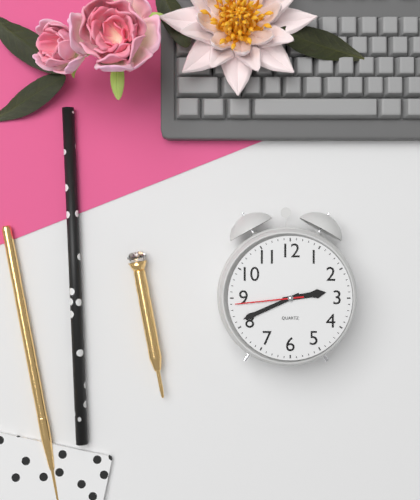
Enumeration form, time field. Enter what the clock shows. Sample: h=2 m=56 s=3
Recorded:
h=2 m=41 s=44
